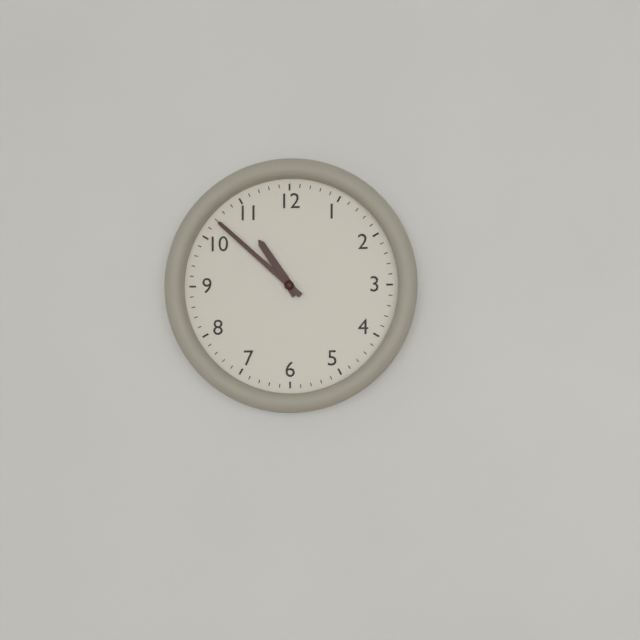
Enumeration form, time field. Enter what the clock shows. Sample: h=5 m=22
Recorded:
h=10 m=52
